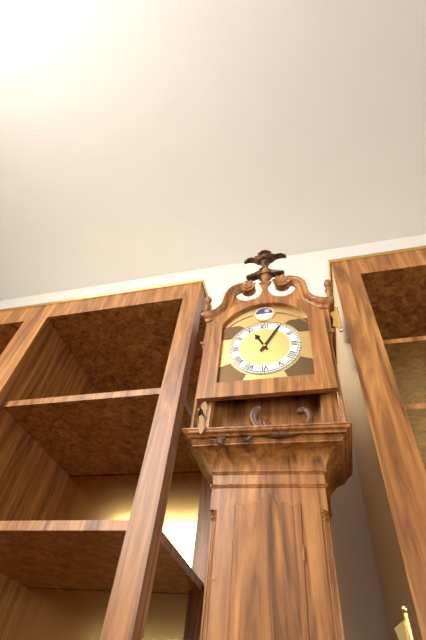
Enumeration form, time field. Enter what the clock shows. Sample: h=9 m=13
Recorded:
h=11 m=5
